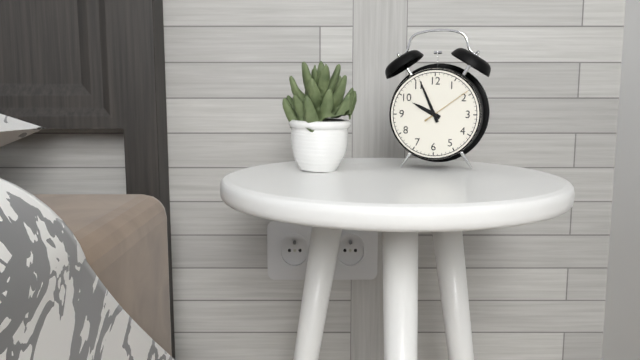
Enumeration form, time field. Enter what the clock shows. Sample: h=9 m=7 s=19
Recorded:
h=9 m=56 s=9
